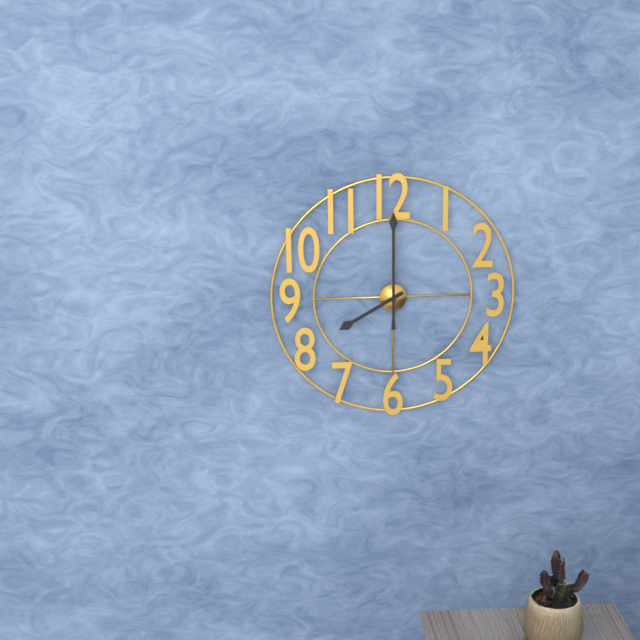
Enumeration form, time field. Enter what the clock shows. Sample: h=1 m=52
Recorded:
h=8 m=0
